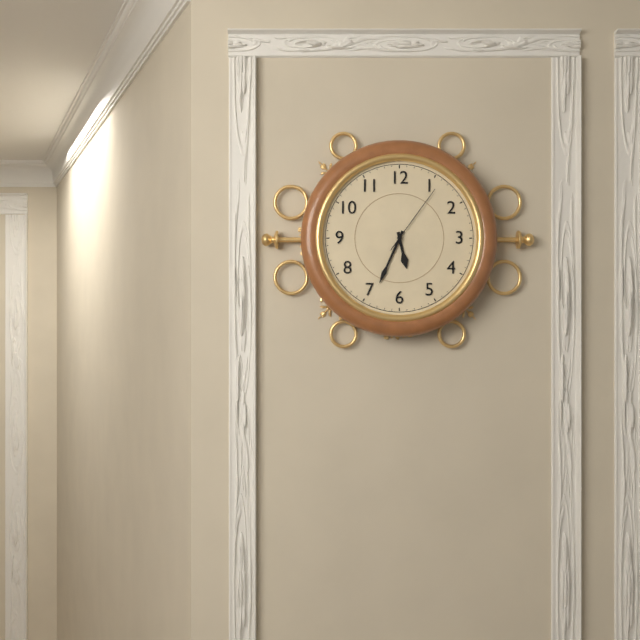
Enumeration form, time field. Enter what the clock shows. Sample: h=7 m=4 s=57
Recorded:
h=5 m=34 s=6
